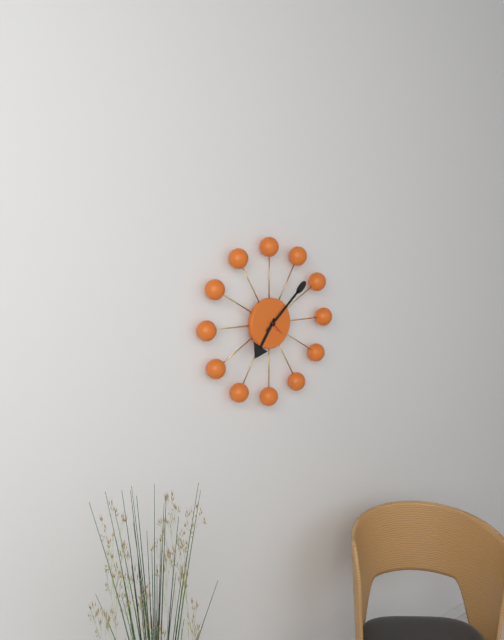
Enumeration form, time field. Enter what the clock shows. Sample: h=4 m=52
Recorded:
h=7 m=8
